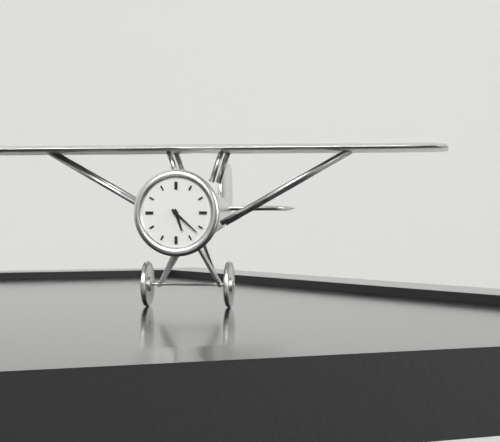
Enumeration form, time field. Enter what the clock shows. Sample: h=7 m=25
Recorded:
h=5 m=22
